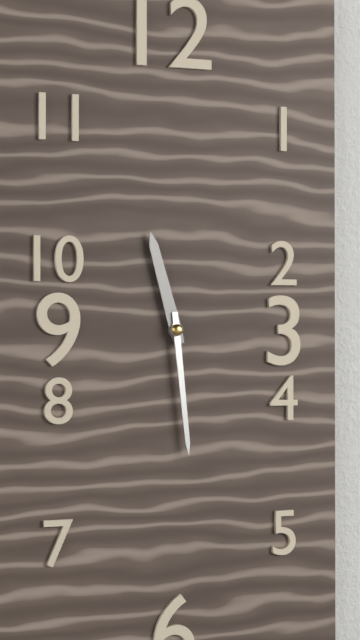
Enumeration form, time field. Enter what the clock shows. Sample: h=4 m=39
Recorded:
h=11 m=29
